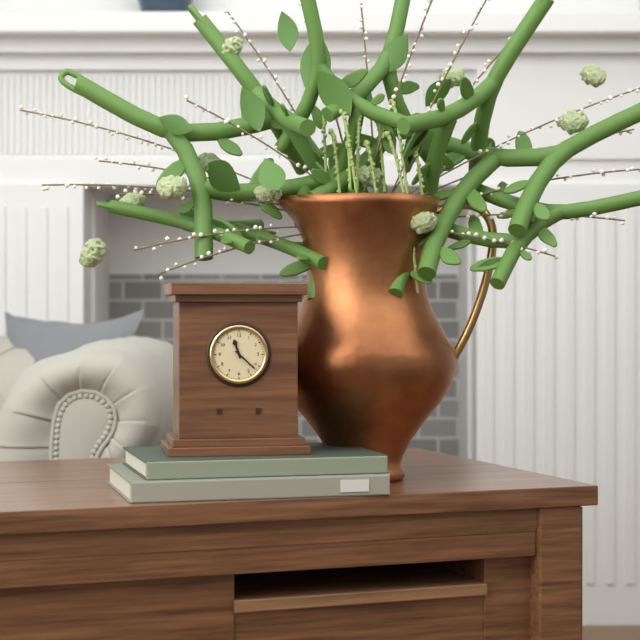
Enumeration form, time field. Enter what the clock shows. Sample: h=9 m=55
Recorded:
h=11 m=22
